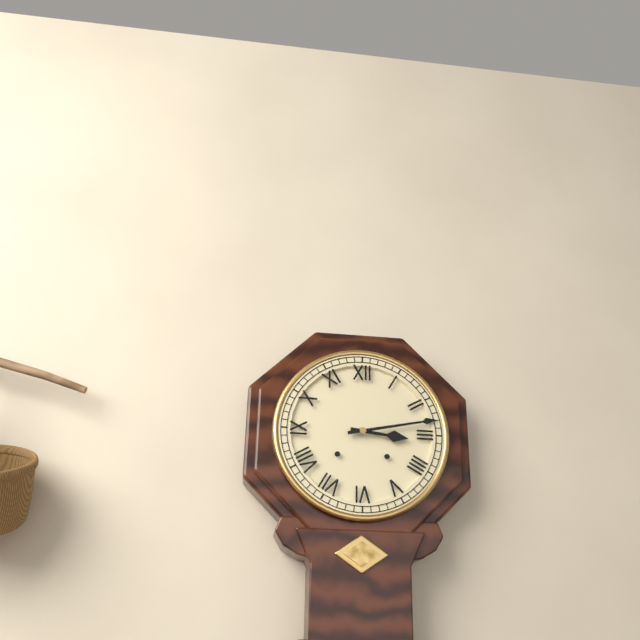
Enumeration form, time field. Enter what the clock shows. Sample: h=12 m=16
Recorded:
h=3 m=13
